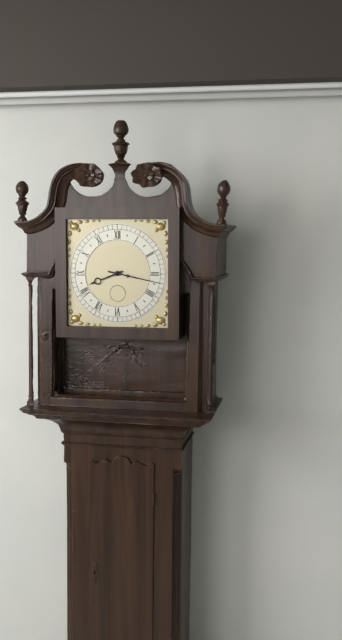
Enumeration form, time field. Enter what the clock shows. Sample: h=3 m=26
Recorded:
h=8 m=17
